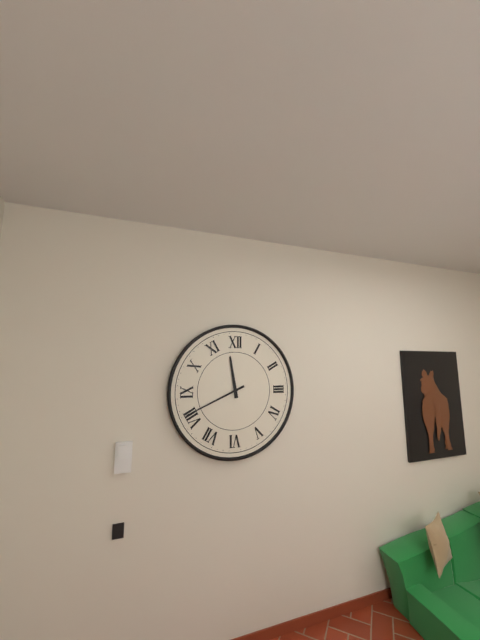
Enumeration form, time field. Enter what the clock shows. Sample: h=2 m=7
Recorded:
h=11 m=41
